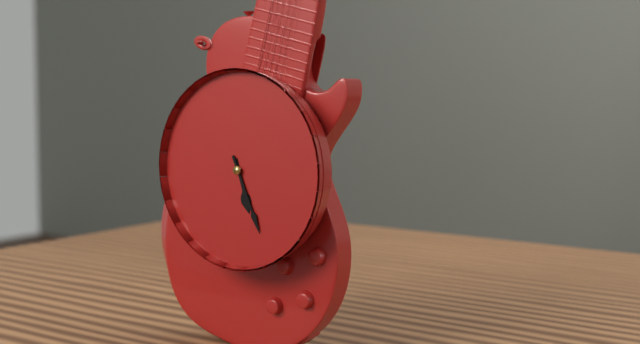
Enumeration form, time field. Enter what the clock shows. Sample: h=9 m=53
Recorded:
h=5 m=26
